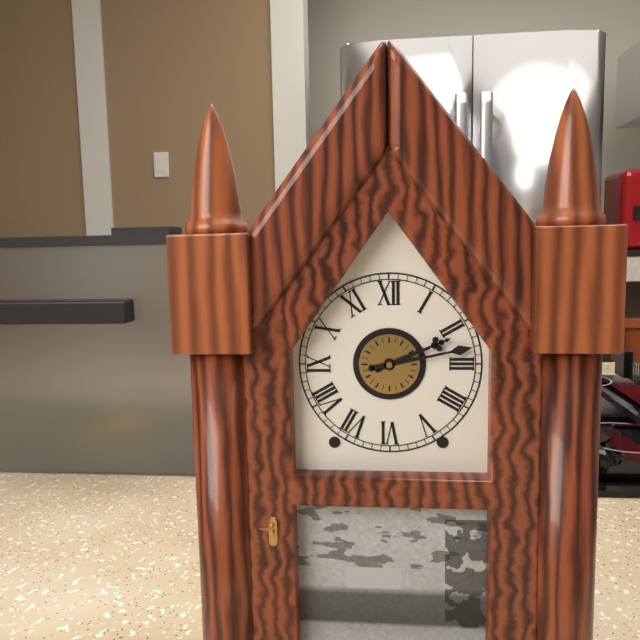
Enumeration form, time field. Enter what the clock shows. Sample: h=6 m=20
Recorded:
h=2 m=13
